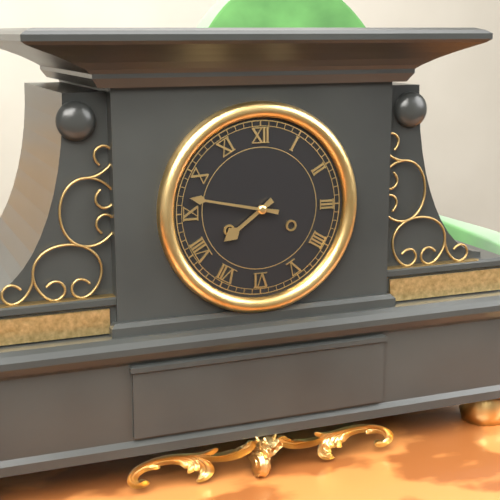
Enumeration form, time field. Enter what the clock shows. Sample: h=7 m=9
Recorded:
h=7 m=47
